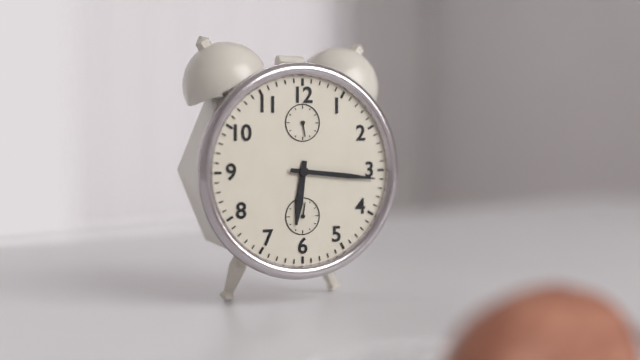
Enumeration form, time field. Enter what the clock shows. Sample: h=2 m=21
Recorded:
h=6 m=16
